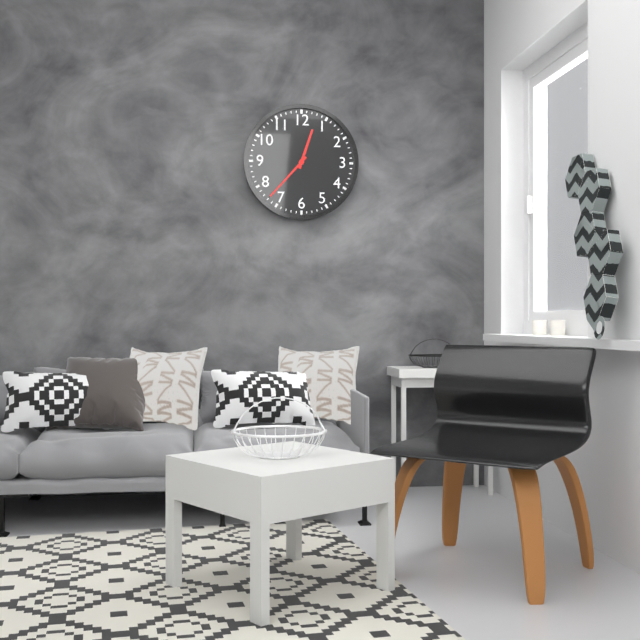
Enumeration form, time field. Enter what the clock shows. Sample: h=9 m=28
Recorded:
h=12 m=37
